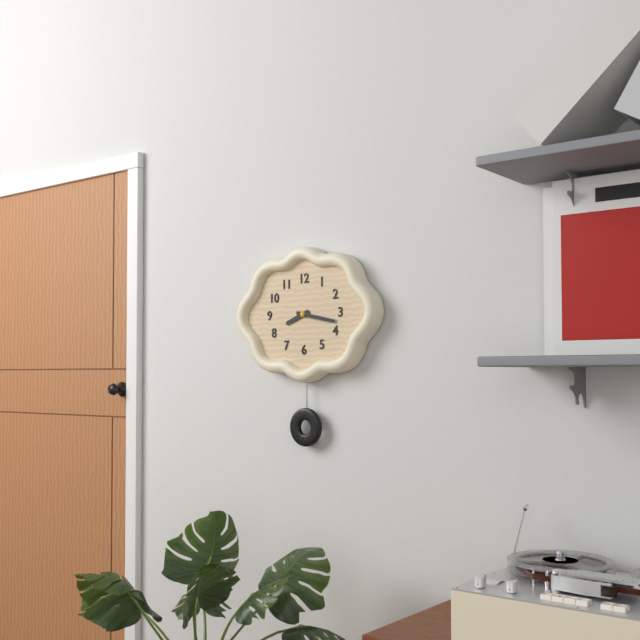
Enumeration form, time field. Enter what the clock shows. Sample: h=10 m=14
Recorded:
h=8 m=17
